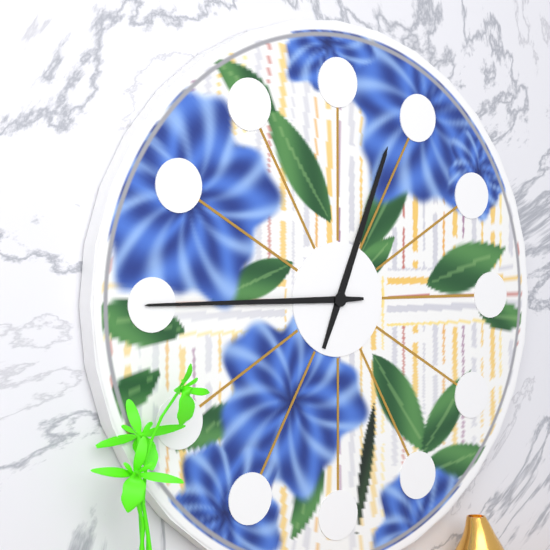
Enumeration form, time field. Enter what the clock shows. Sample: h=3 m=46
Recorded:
h=12 m=45
